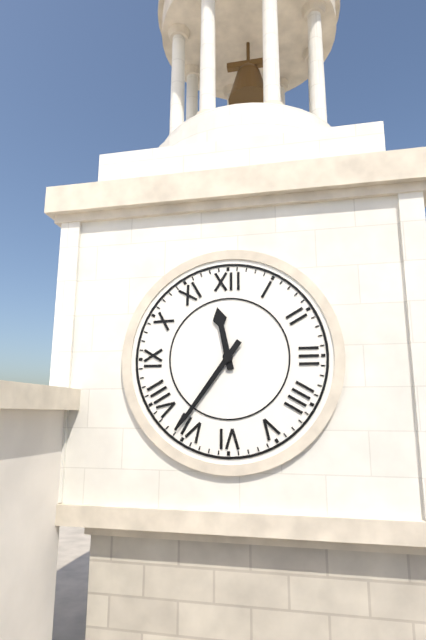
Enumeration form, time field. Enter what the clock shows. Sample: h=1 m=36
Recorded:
h=11 m=36
